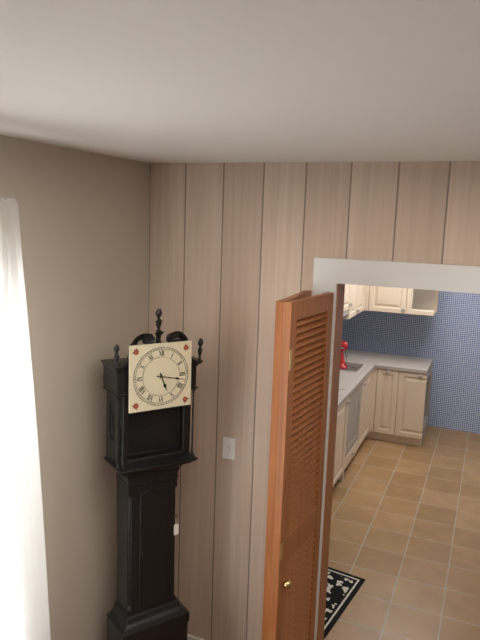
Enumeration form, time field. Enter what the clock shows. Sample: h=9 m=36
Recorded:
h=5 m=17
